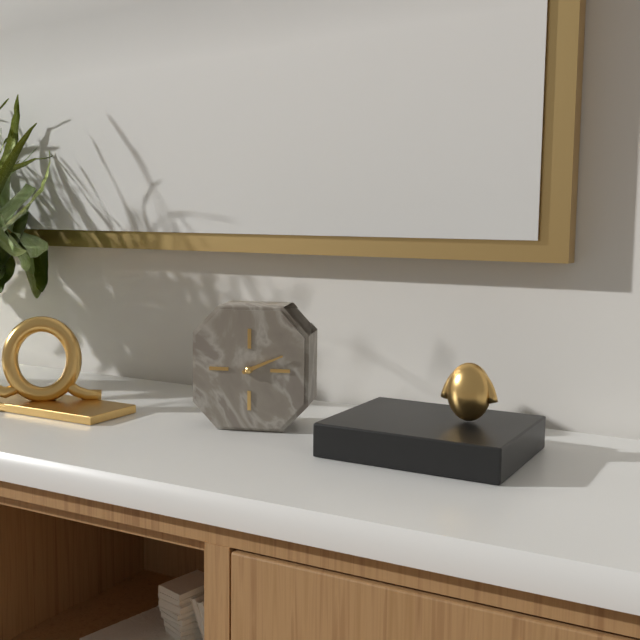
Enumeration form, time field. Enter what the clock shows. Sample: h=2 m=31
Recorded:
h=2 m=11
